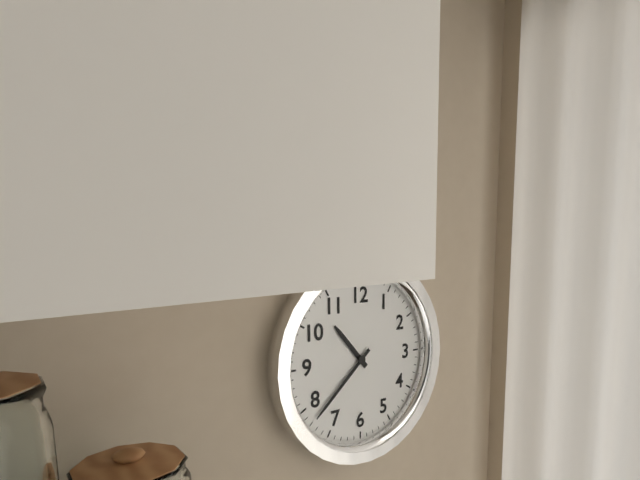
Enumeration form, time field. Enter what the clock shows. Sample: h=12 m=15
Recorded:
h=10 m=38
